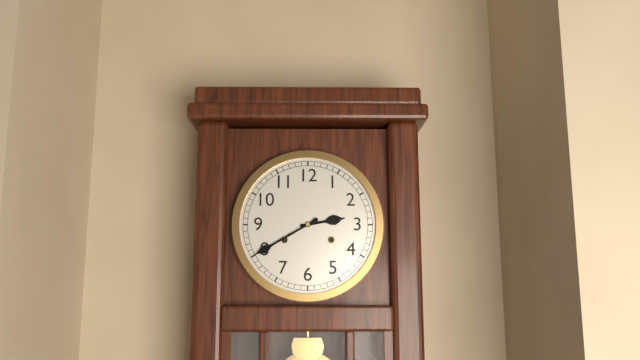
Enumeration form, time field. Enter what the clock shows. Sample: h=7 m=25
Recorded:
h=2 m=40
